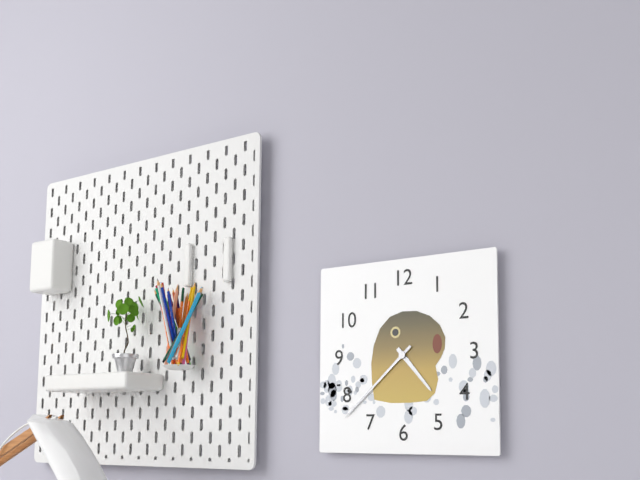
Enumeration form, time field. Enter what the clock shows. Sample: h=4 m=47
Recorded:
h=4 m=38
